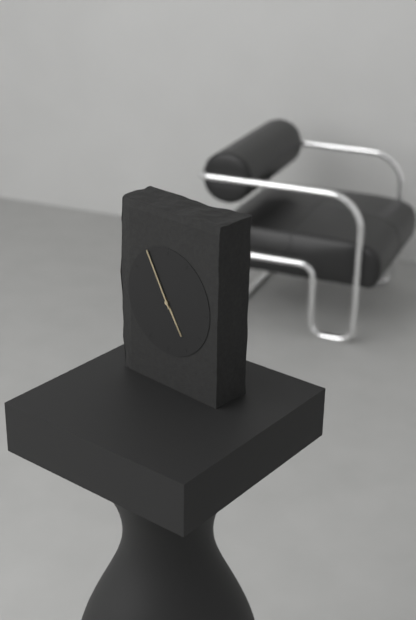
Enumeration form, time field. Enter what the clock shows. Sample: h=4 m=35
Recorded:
h=4 m=55
